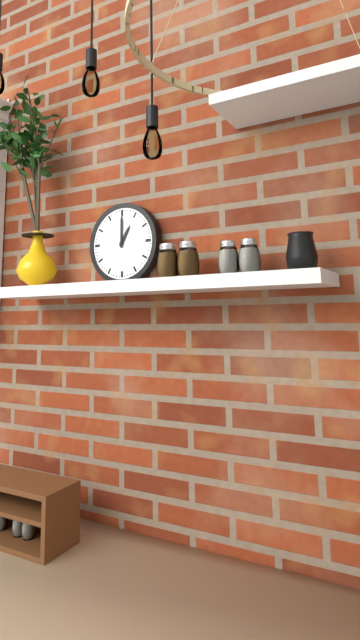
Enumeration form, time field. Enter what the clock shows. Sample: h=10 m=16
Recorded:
h=1 m=0
